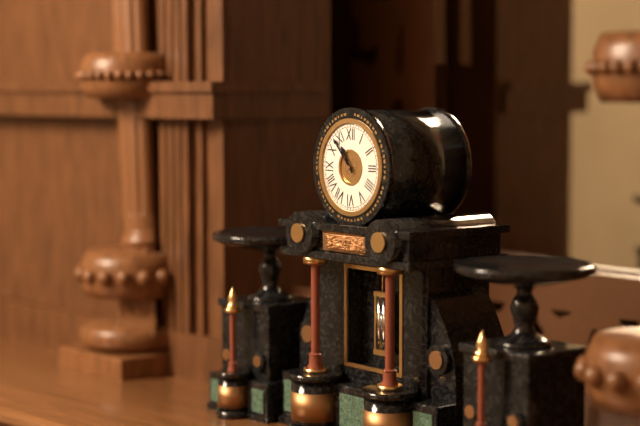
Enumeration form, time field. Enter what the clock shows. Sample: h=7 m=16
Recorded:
h=10 m=53
